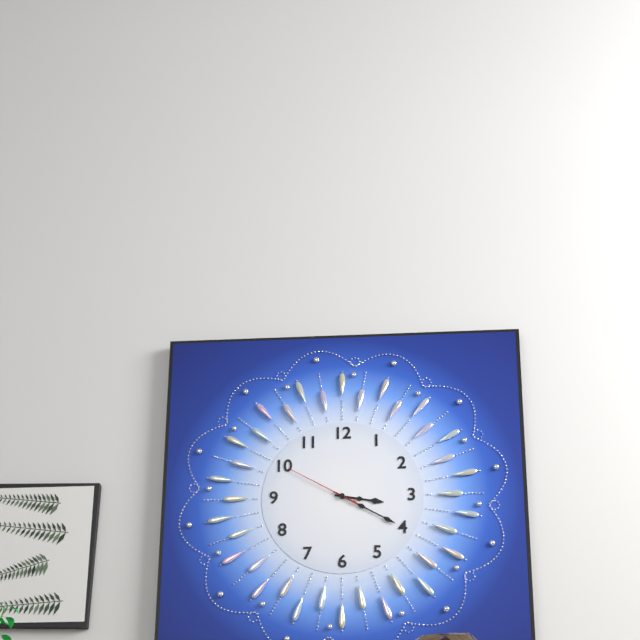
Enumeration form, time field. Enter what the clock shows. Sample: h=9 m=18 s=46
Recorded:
h=3 m=20 s=50
